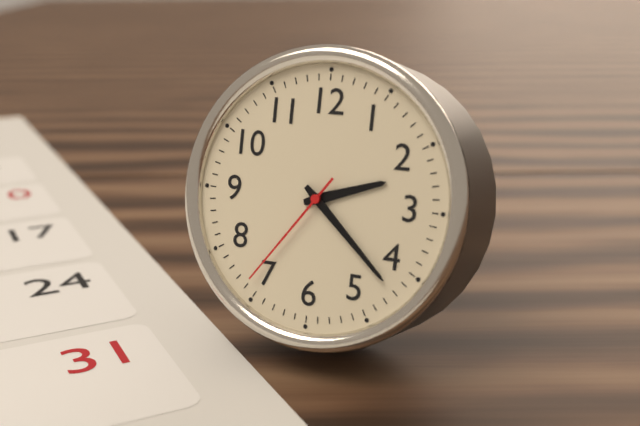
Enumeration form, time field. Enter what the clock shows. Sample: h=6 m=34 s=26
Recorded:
h=2 m=22 s=36
